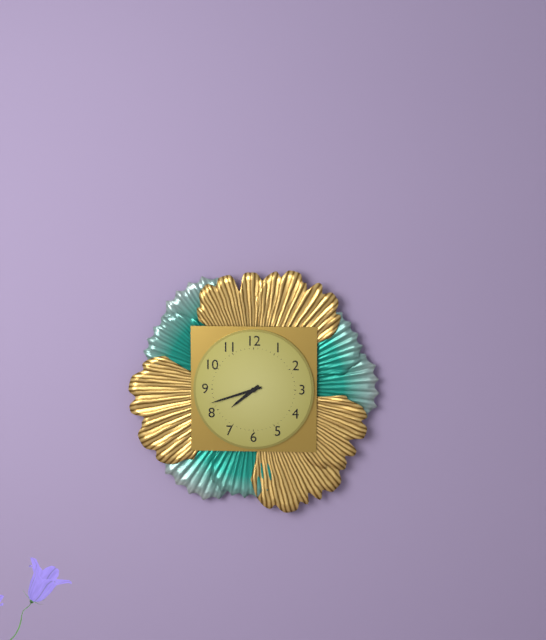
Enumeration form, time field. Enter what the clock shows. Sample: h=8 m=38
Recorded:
h=7 m=42
